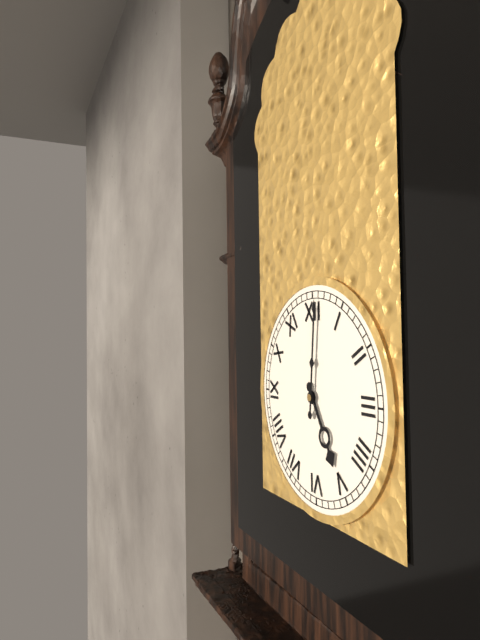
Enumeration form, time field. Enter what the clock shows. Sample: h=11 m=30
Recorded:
h=5 m=1
